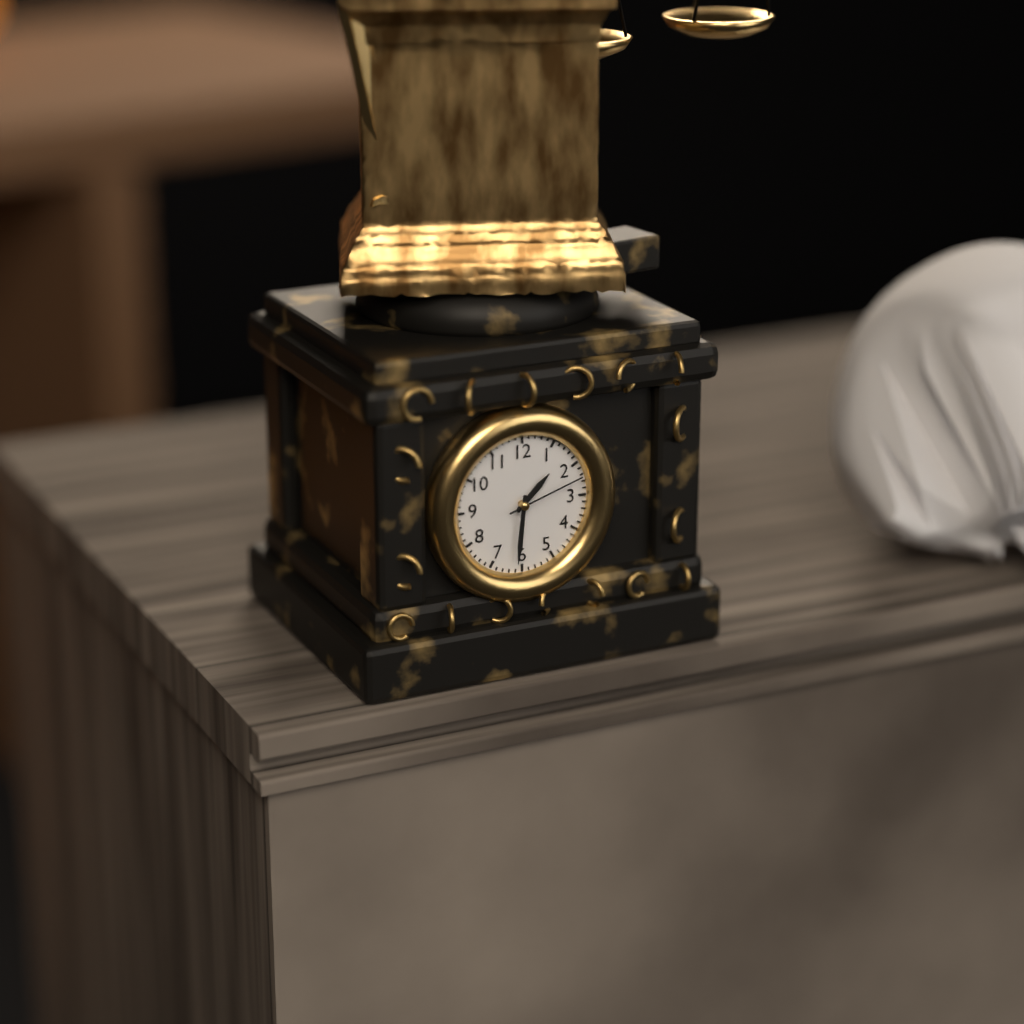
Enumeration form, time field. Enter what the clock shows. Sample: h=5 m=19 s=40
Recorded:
h=1 m=31 s=12
